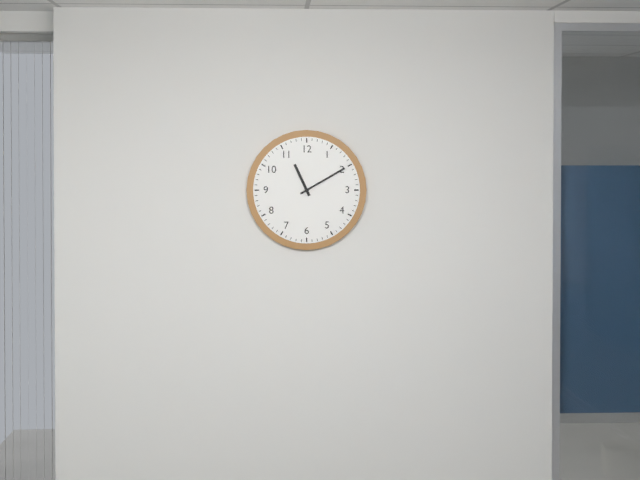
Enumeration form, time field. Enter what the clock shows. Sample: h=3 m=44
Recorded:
h=11 m=10
